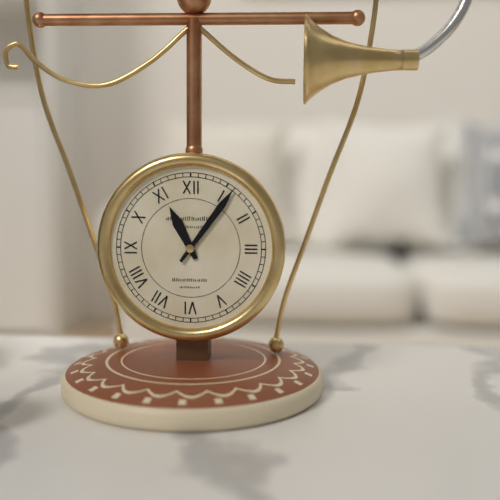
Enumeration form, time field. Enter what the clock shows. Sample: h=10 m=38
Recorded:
h=11 m=6
